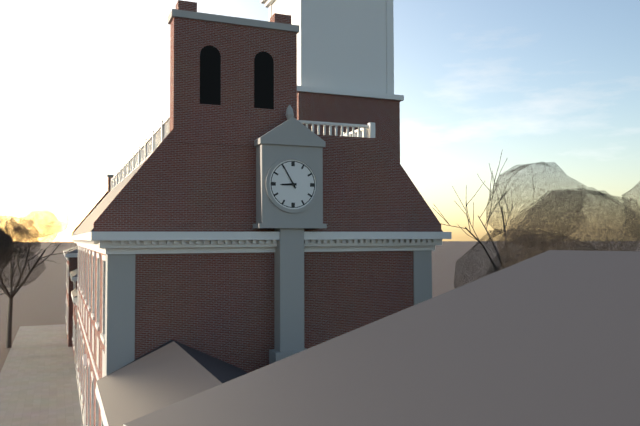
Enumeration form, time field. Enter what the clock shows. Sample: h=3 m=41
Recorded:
h=8 m=55
